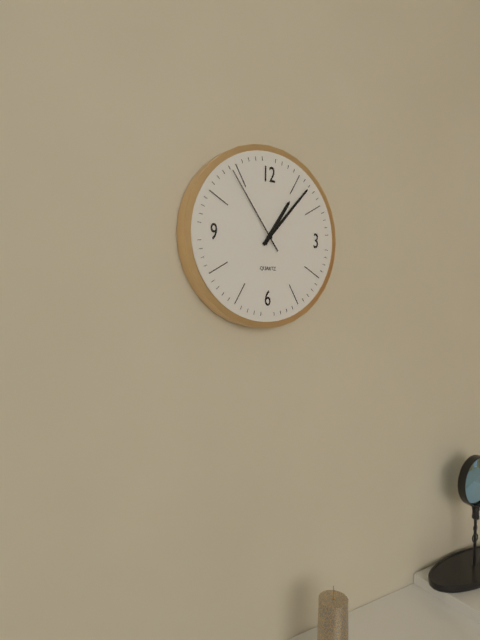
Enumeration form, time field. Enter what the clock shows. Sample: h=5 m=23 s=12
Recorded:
h=1 m=7 s=54
